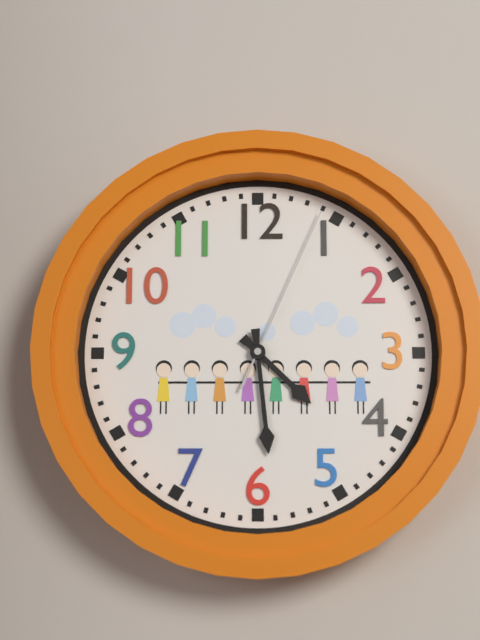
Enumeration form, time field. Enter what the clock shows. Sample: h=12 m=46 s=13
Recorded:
h=4 m=29 s=4
